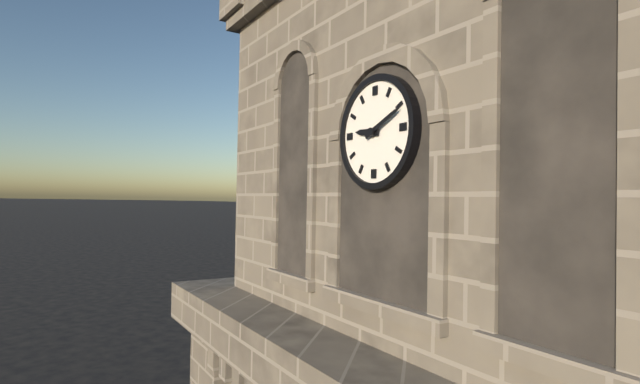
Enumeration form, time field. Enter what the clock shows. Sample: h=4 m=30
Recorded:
h=9 m=11
